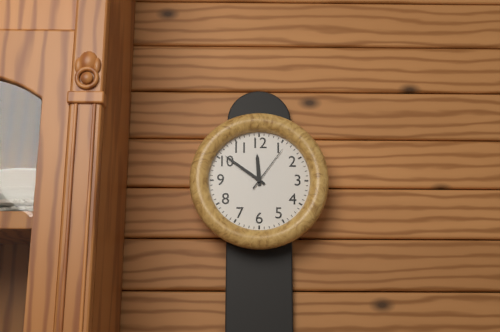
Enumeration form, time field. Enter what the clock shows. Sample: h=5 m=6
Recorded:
h=11 m=51
